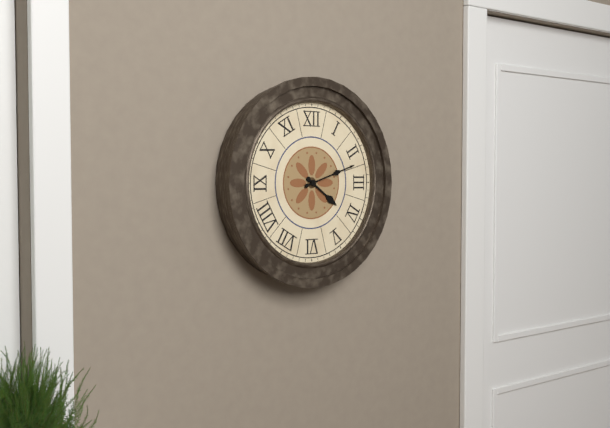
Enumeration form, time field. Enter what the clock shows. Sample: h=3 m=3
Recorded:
h=4 m=12
